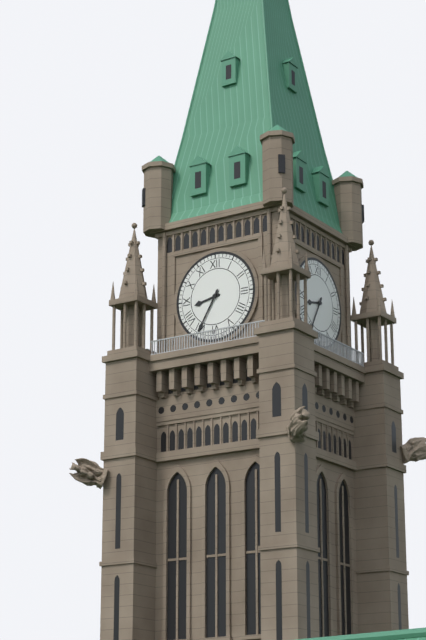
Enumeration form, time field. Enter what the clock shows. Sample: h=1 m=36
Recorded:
h=8 m=35
